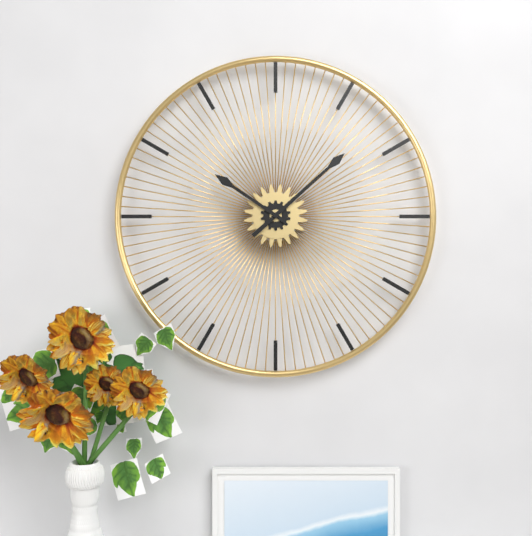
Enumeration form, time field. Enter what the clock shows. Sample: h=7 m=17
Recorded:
h=10 m=8
